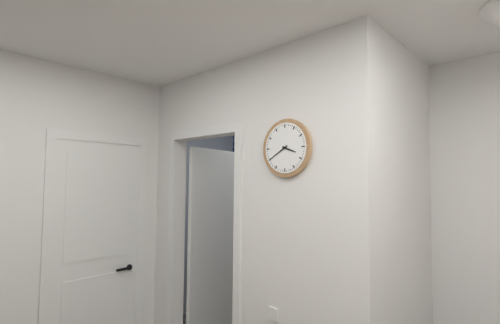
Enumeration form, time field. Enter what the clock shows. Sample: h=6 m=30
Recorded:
h=3 m=40
